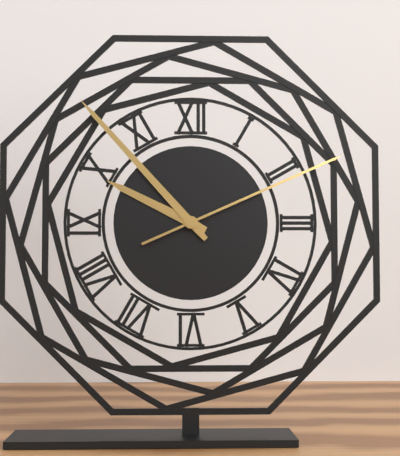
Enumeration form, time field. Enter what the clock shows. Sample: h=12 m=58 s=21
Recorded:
h=9 m=53 s=11
